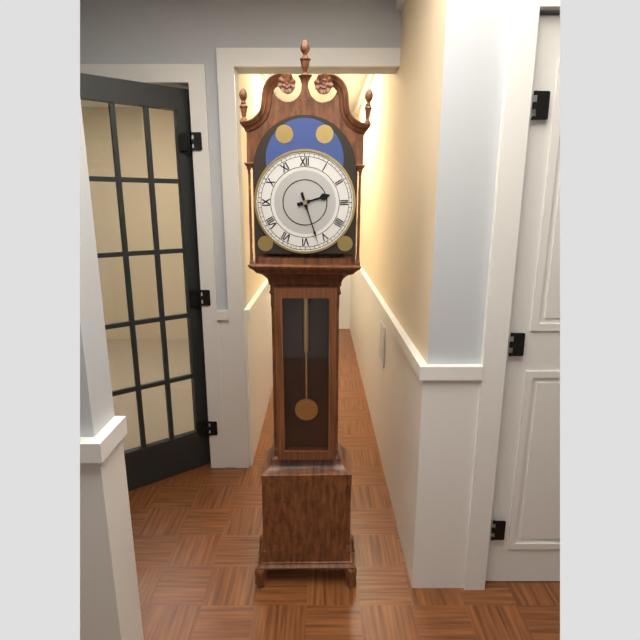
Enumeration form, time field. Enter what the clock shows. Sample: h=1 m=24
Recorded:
h=2 m=27
